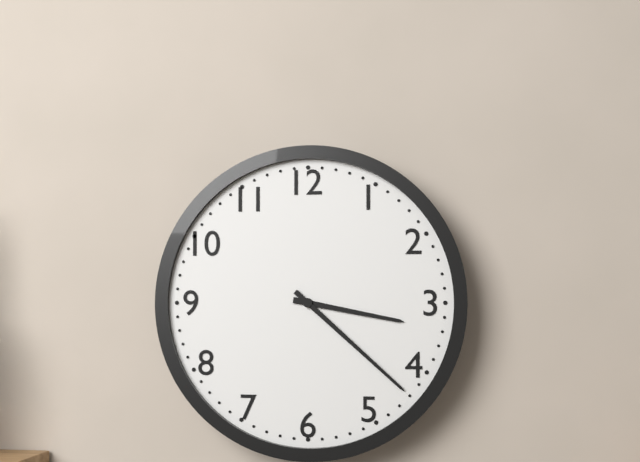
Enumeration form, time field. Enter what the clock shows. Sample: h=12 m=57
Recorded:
h=3 m=22
